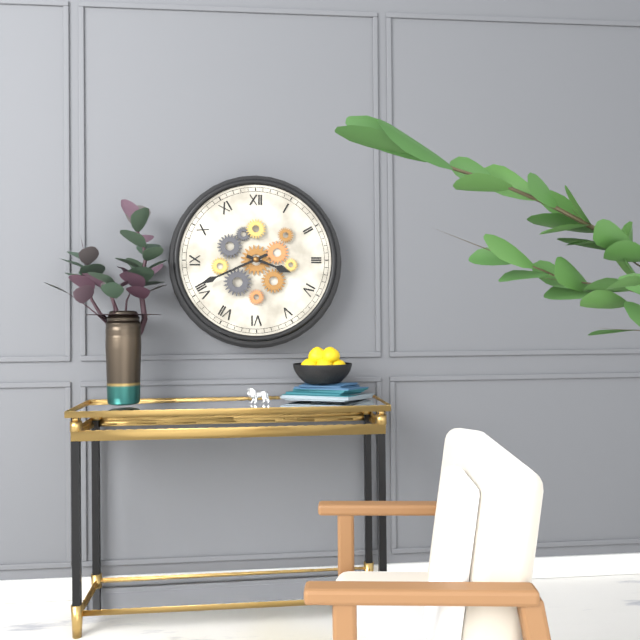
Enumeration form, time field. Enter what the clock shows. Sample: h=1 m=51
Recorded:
h=3 m=41
